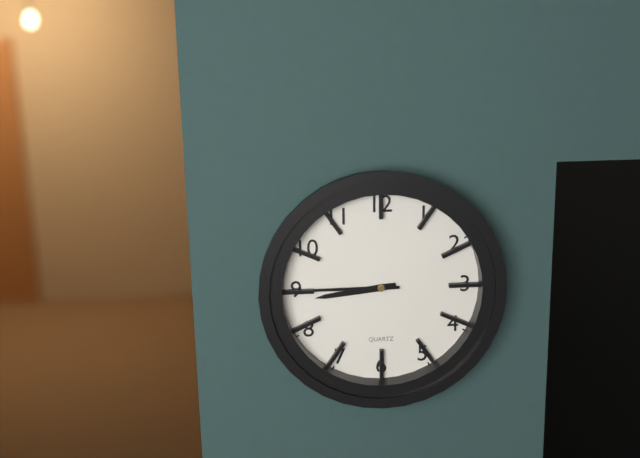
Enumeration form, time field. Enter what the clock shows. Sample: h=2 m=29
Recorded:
h=8 m=45
